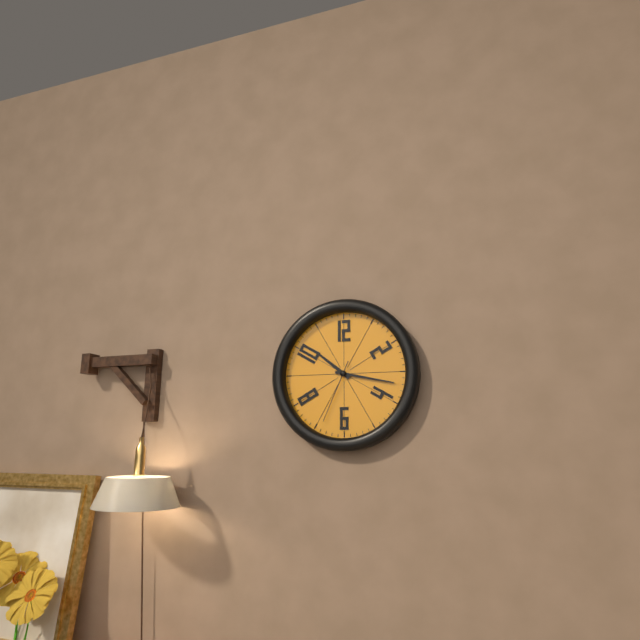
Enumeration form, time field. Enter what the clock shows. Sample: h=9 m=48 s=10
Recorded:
h=10 m=17 s=34
